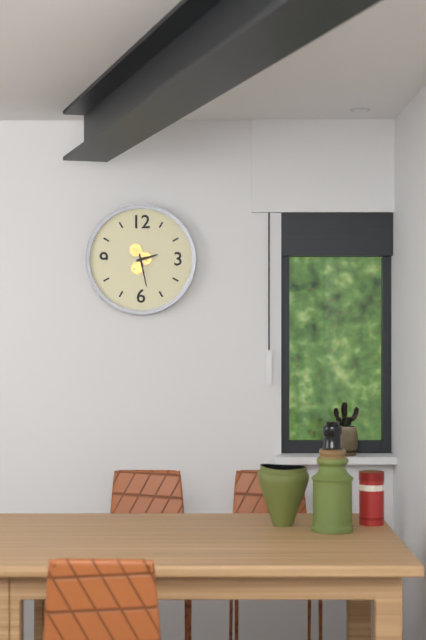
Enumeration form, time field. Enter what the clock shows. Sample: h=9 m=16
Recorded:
h=2 m=28
